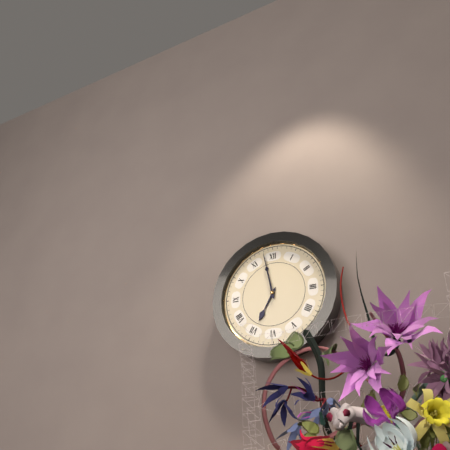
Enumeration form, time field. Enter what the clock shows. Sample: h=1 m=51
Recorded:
h=6 m=58
